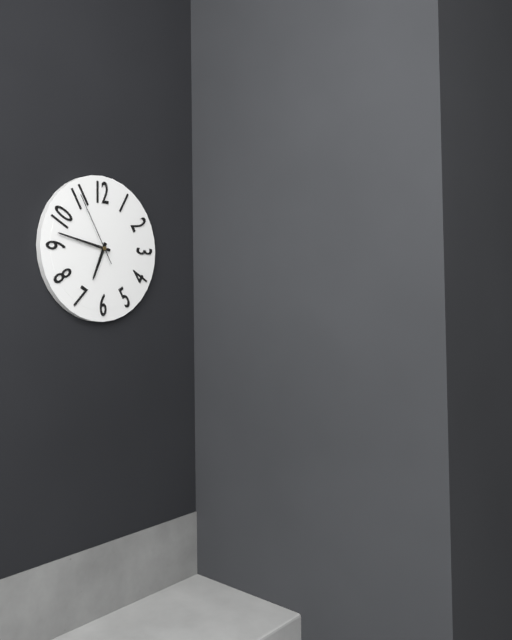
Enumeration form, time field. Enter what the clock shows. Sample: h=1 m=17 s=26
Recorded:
h=6 m=47 s=55
